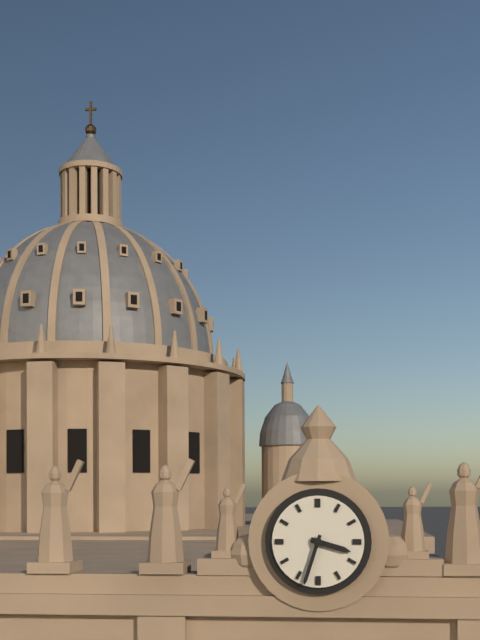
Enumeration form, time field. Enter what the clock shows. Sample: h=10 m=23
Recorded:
h=3 m=33
